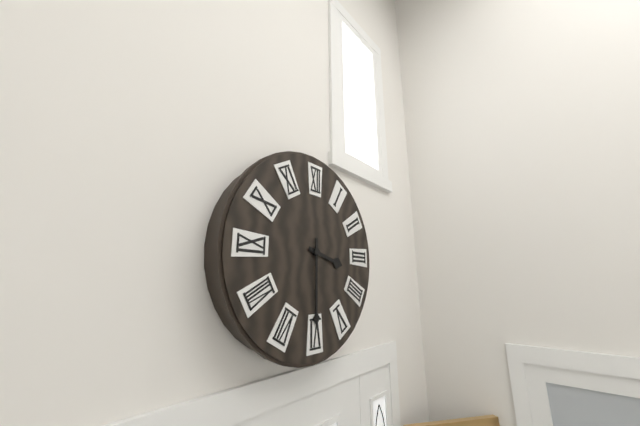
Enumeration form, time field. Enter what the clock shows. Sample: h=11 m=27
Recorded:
h=3 m=30
